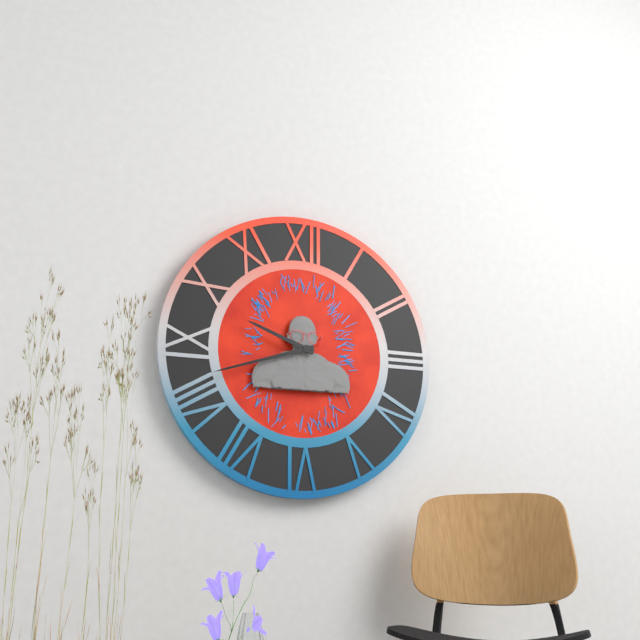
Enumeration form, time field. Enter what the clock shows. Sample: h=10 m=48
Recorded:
h=9 m=42
